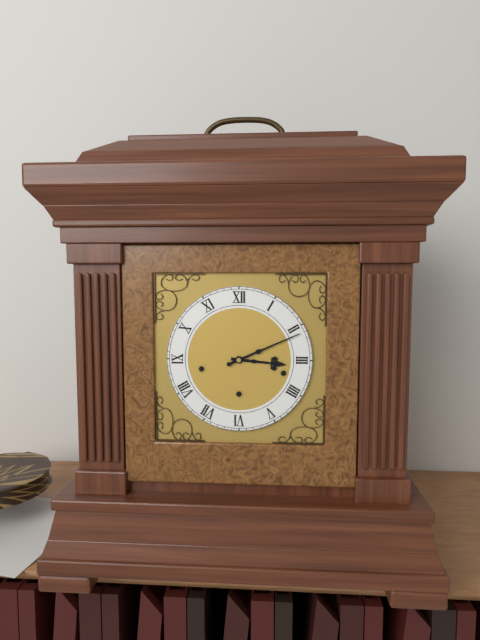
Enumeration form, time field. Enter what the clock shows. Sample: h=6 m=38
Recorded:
h=3 m=11
